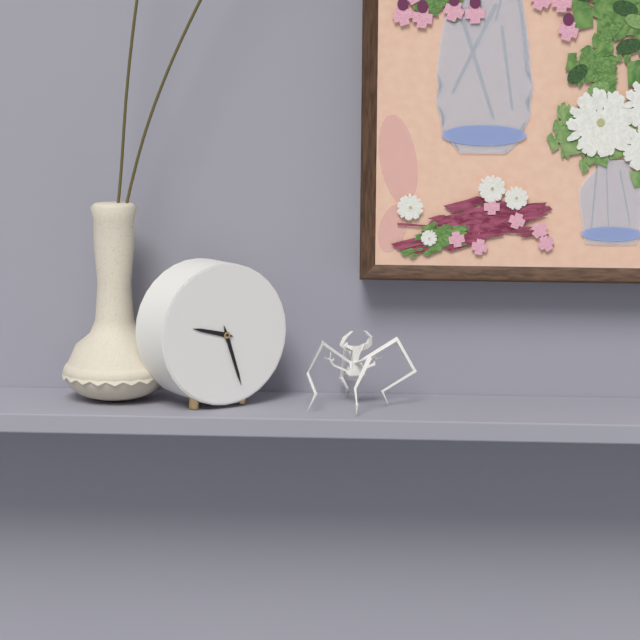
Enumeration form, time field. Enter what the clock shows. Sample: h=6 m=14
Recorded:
h=9 m=27
